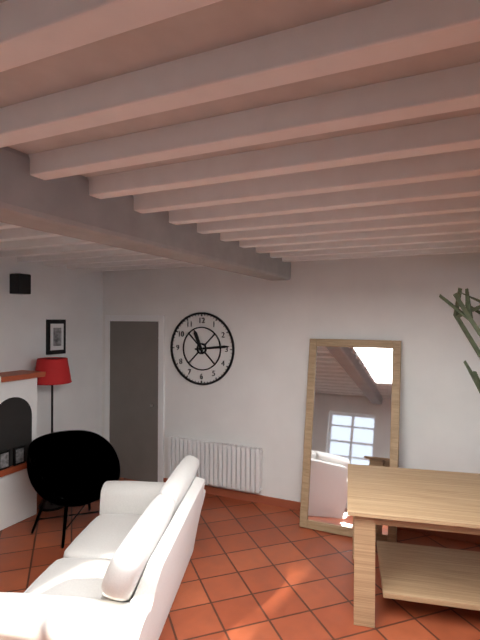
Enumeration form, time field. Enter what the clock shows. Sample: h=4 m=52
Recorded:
h=11 m=14
